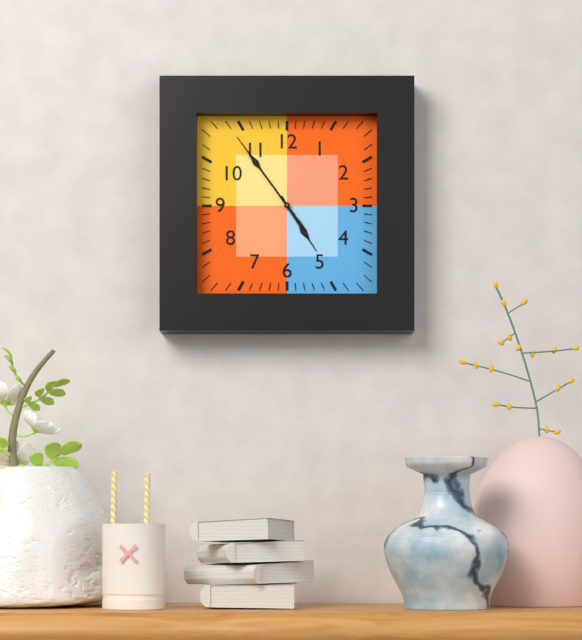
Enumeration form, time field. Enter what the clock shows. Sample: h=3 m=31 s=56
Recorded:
h=4 m=54 s=54
